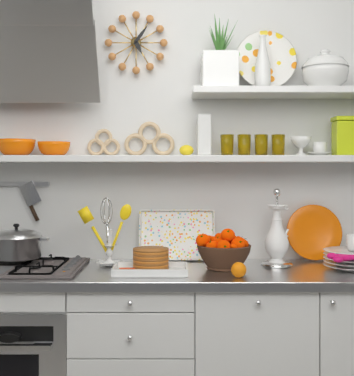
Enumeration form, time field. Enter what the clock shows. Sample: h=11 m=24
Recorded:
h=5 m=6
